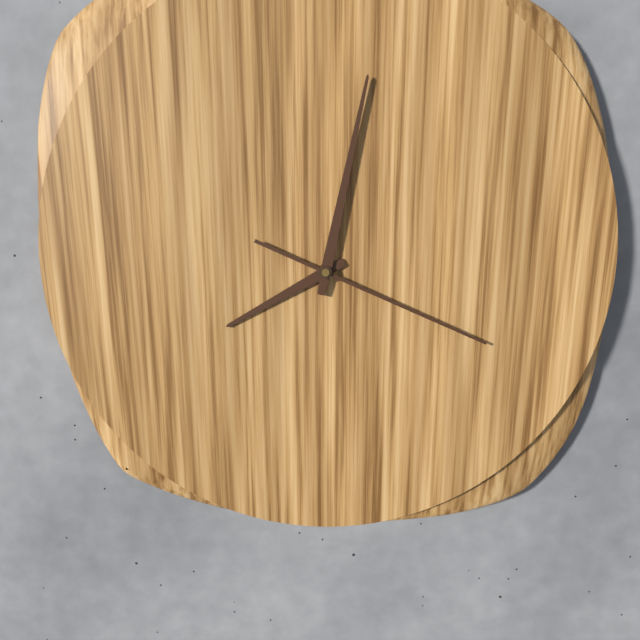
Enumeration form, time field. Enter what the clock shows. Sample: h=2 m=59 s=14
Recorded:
h=8 m=2 s=19
